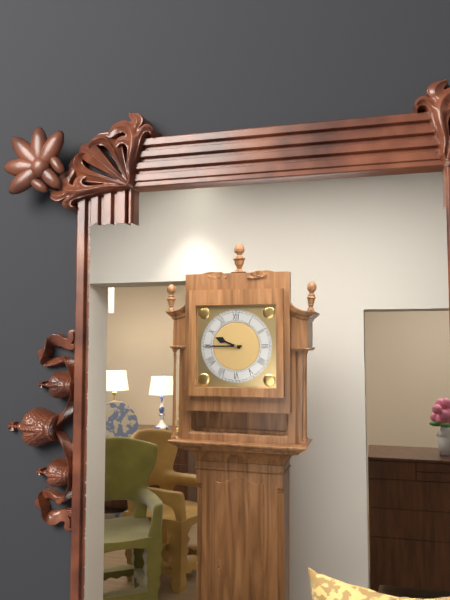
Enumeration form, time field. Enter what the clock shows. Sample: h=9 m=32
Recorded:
h=9 m=45
